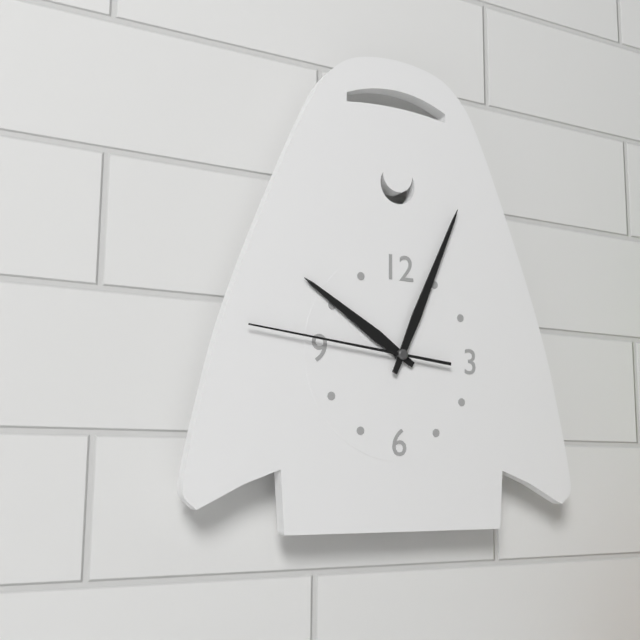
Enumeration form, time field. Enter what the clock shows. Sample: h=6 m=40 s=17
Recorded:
h=10 m=4 s=46
